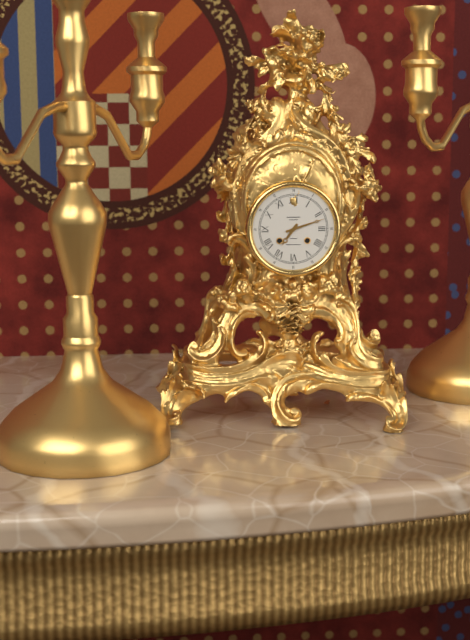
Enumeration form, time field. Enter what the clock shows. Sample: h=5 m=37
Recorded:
h=7 m=12
